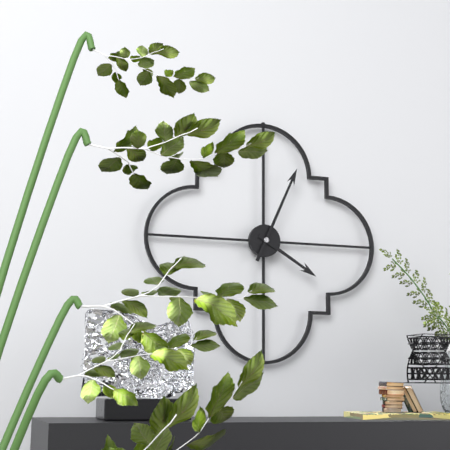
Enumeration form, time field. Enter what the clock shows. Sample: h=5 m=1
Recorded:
h=4 m=4
